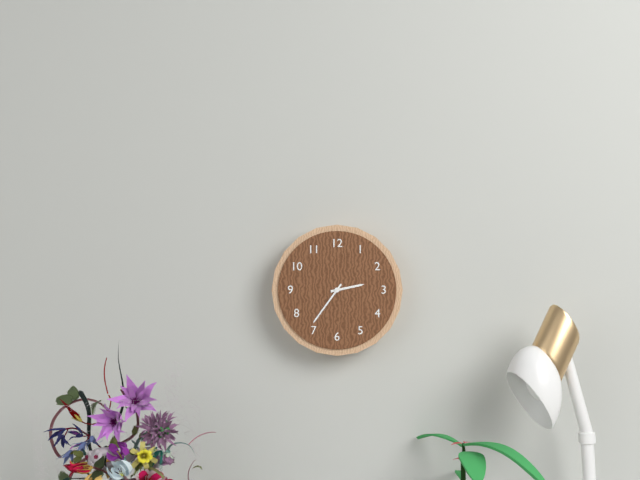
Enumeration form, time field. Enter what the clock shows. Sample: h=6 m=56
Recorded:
h=2 m=36
